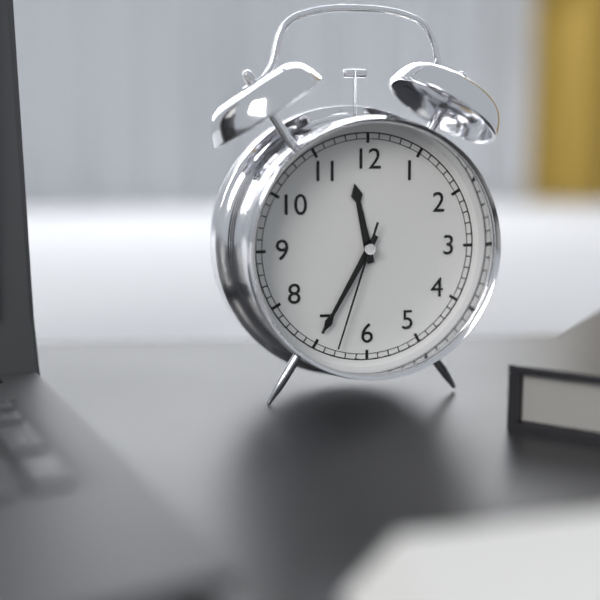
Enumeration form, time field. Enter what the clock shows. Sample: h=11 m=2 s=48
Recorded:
h=11 m=35 s=33
